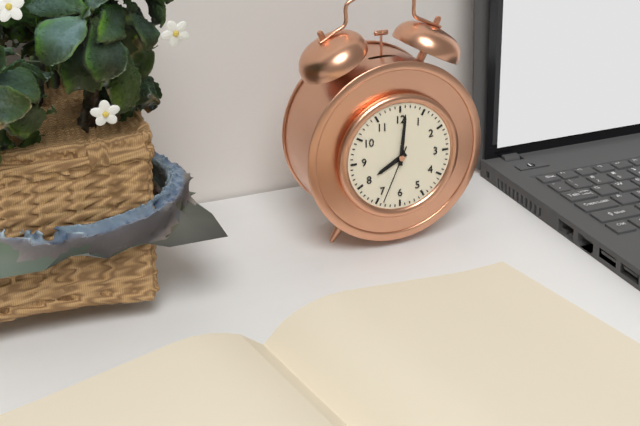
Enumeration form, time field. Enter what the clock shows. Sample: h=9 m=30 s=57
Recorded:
h=8 m=1 s=34
